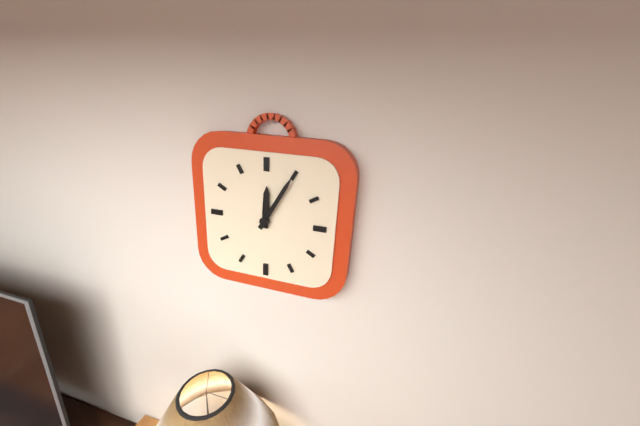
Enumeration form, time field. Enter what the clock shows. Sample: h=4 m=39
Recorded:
h=12 m=5
